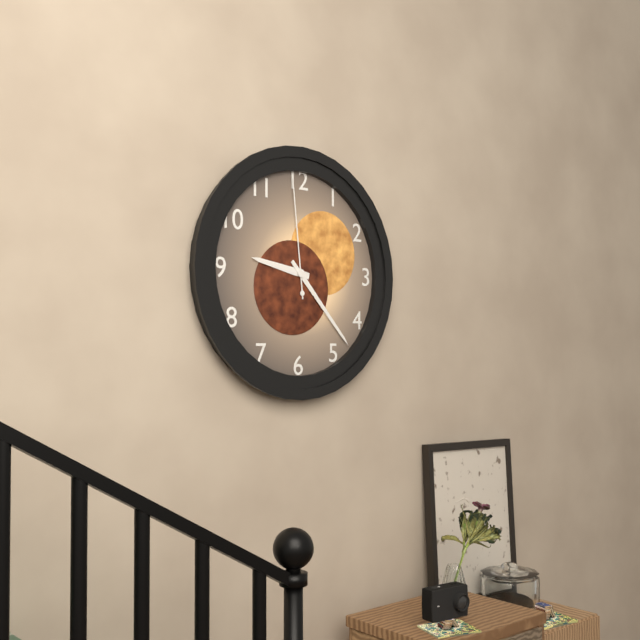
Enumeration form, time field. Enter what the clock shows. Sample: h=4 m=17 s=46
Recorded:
h=9 m=23 s=59
